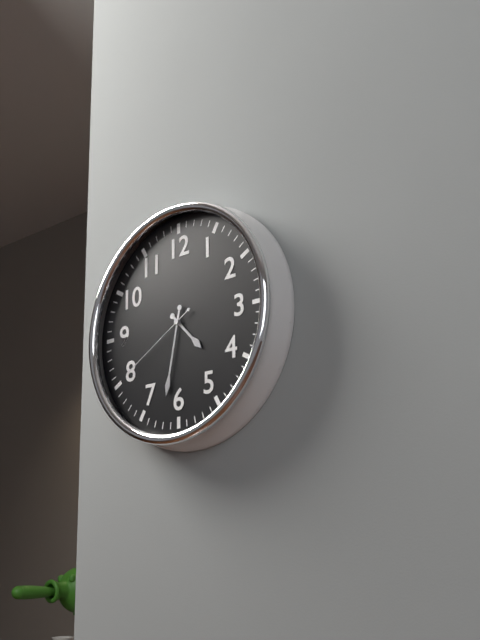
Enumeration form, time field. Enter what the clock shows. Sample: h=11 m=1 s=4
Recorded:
h=4 m=32 s=40
